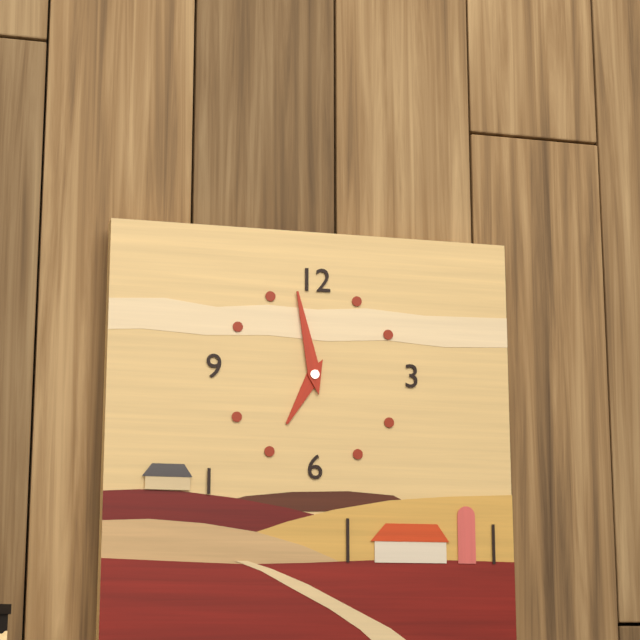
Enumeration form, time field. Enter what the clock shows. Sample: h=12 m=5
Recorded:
h=6 m=58
